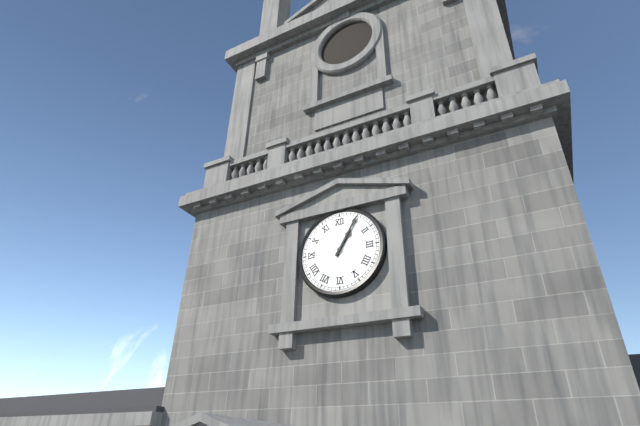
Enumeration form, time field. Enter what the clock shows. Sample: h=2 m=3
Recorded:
h=1 m=5
